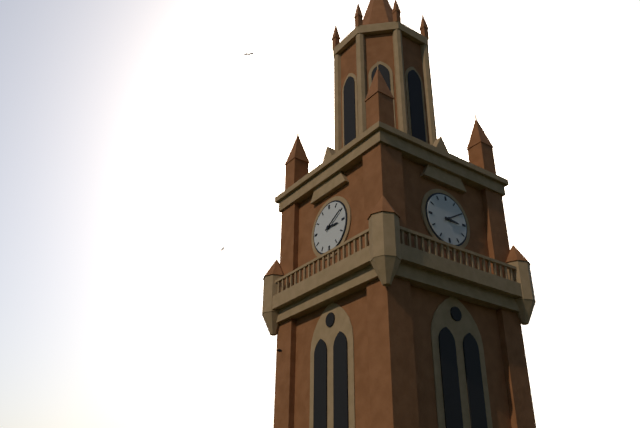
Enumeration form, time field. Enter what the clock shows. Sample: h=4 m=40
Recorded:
h=3 m=10
